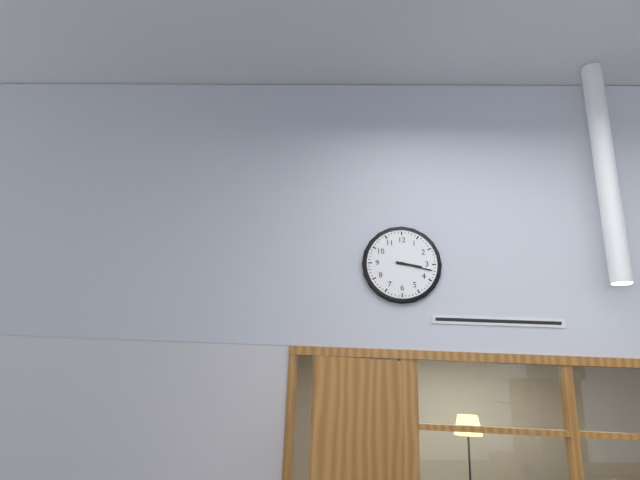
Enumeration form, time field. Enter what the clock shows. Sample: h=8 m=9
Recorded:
h=3 m=17
